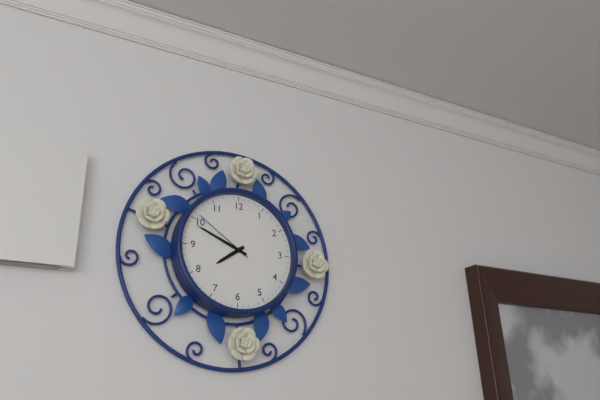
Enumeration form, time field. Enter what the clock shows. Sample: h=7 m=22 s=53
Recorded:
h=7 m=49 s=51
